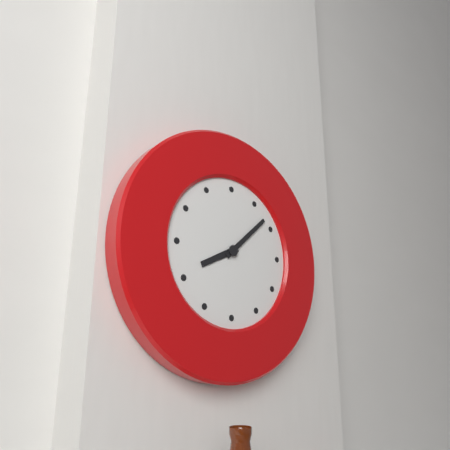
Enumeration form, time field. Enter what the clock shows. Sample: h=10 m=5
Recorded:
h=8 m=8
